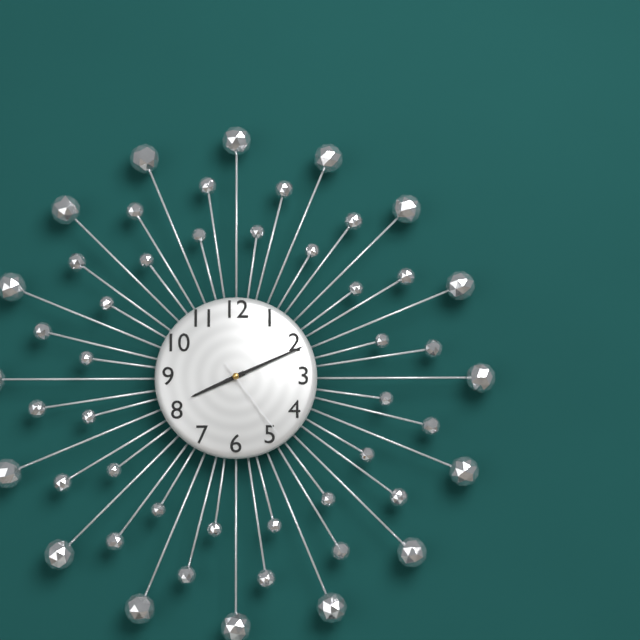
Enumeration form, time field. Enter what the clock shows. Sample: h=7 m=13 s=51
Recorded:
h=8 m=11 s=24
